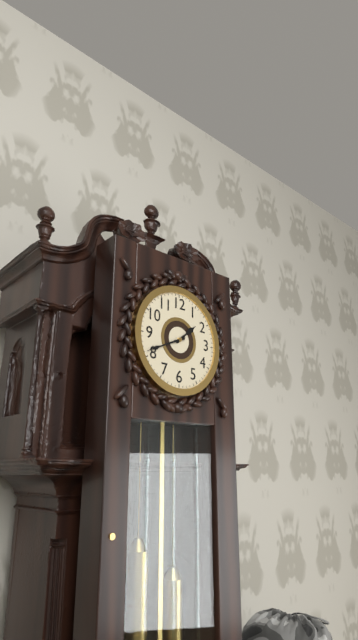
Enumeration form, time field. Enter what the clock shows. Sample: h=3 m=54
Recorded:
h=1 m=41
